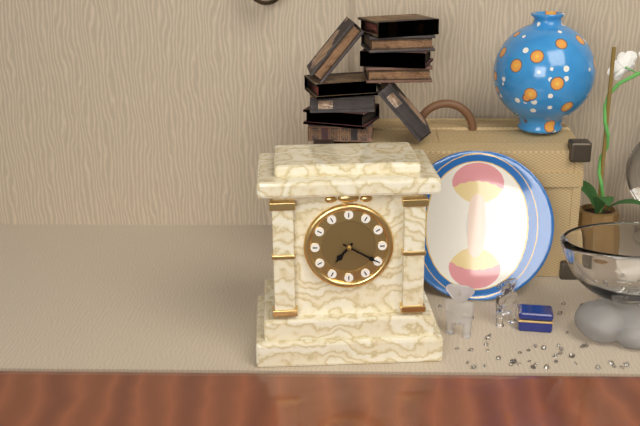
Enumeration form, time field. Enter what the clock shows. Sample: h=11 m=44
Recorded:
h=7 m=20
